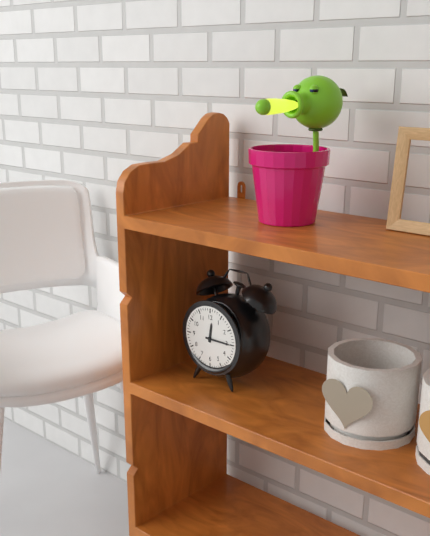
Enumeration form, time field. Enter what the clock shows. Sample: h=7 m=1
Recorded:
h=12 m=15
